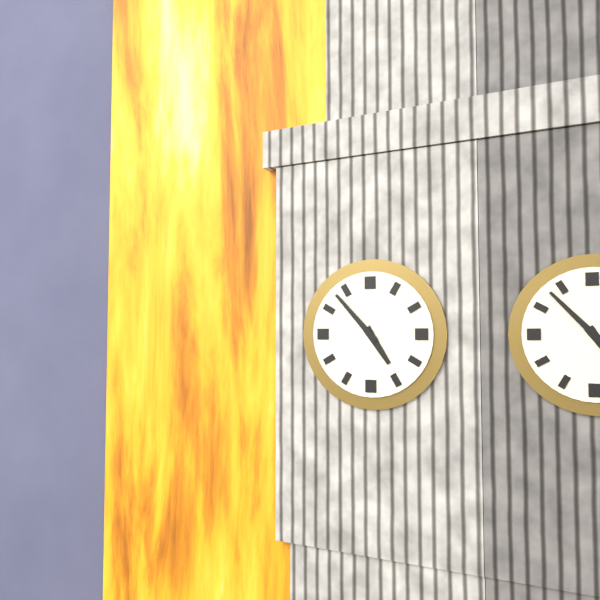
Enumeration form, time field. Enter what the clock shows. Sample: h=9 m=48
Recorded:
h=4 m=53
